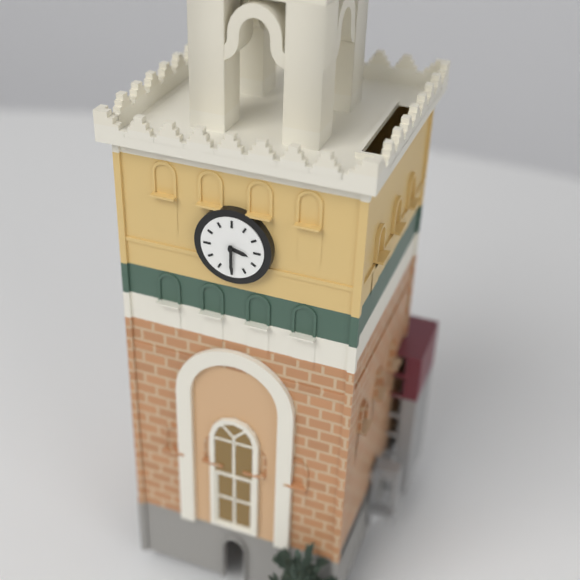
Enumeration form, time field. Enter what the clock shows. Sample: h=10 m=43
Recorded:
h=3 m=30
